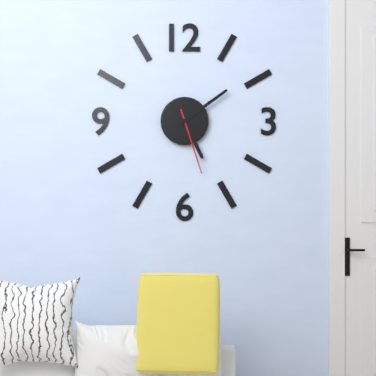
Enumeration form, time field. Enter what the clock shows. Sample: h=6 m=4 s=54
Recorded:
h=5 m=9 s=27
